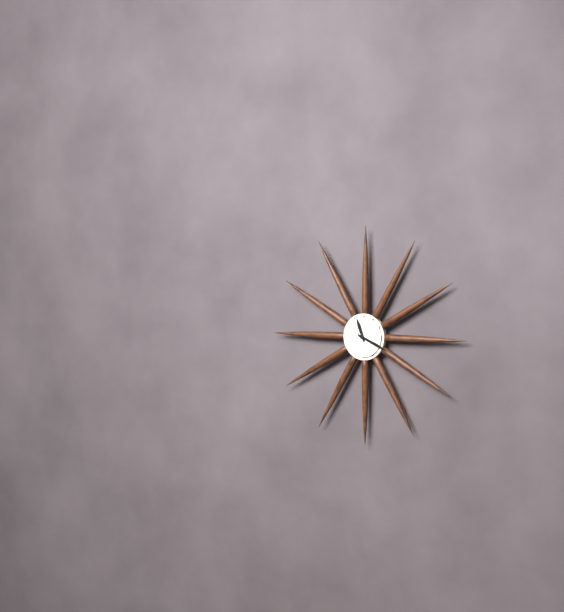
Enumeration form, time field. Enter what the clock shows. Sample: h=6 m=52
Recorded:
h=11 m=19
